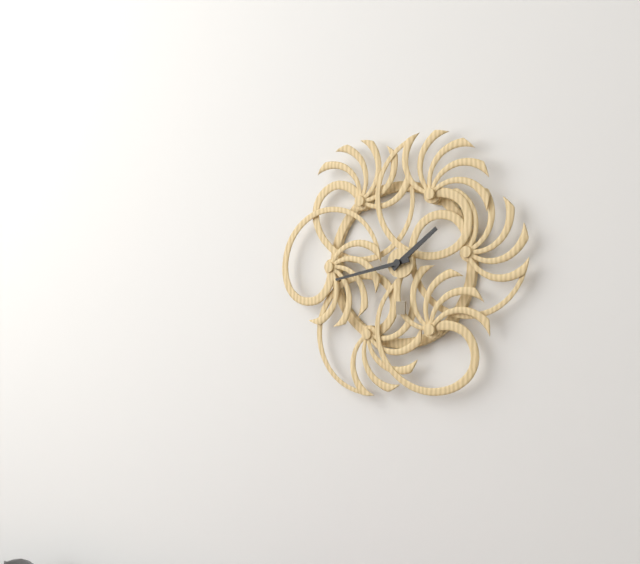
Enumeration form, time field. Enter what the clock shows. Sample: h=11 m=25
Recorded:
h=1 m=43
